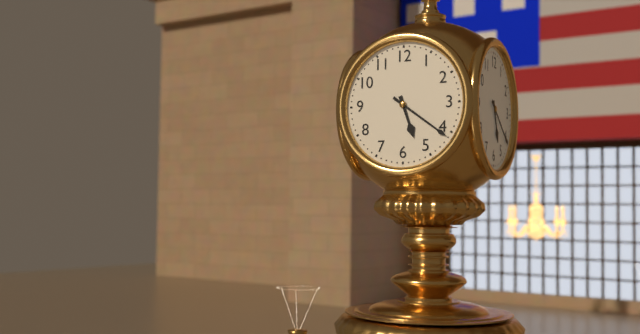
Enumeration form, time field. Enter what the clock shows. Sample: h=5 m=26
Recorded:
h=5 m=21
